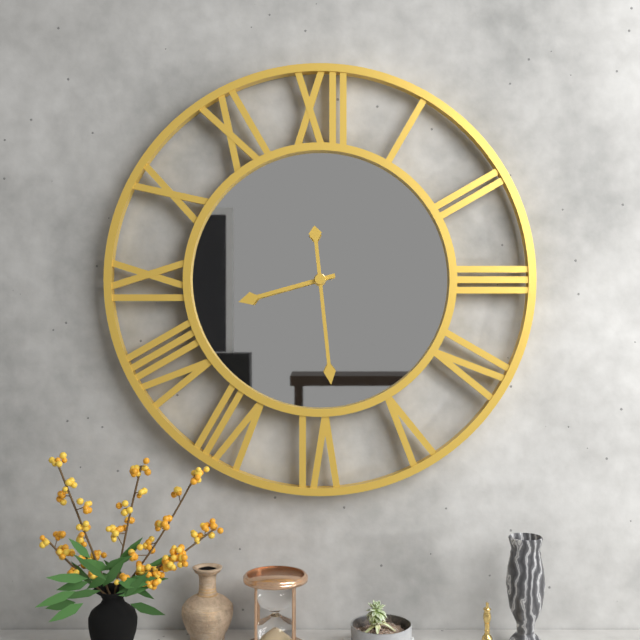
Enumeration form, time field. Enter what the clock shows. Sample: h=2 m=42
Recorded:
h=8 m=29
